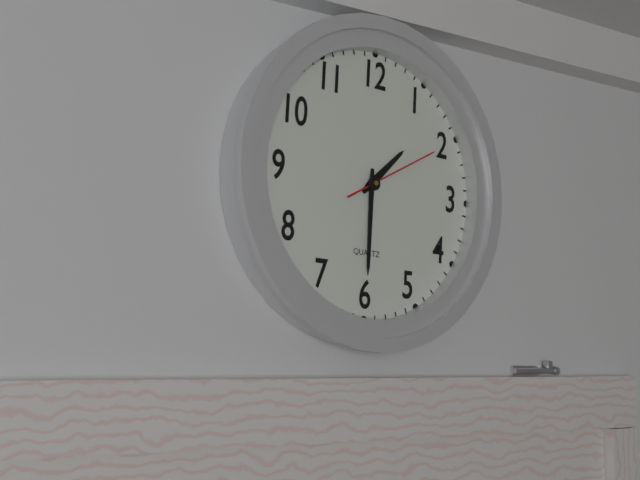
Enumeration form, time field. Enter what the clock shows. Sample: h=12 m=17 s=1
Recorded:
h=1 m=30 s=10
